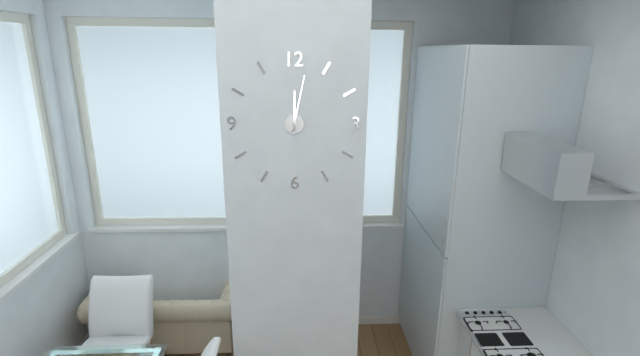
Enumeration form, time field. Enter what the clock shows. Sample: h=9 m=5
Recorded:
h=12 m=2
